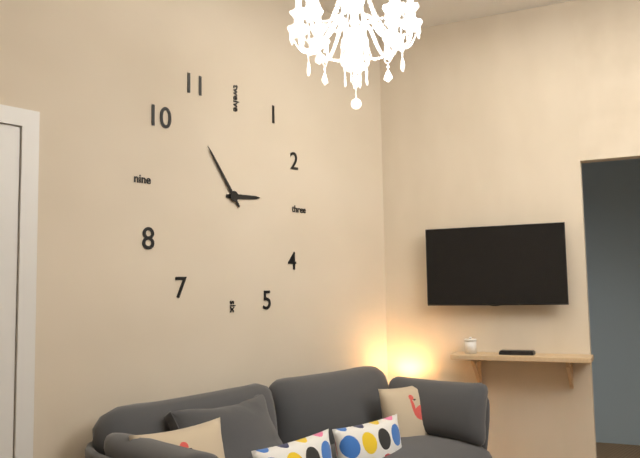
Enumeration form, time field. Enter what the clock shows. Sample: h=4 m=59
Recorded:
h=2 m=54
